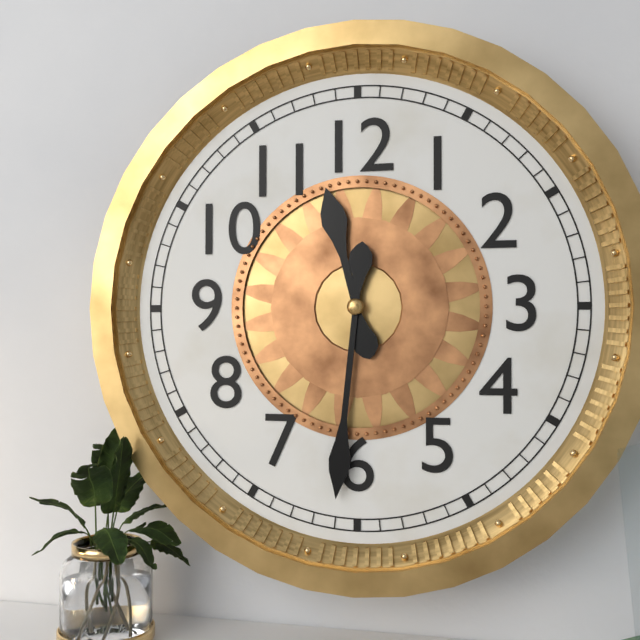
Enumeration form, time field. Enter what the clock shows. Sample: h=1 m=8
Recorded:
h=11 m=31
